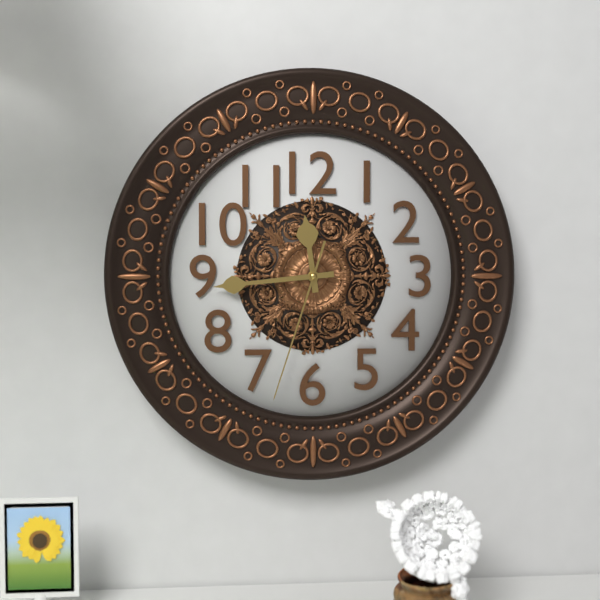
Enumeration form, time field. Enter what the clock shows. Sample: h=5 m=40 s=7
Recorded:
h=11 m=44 s=33
